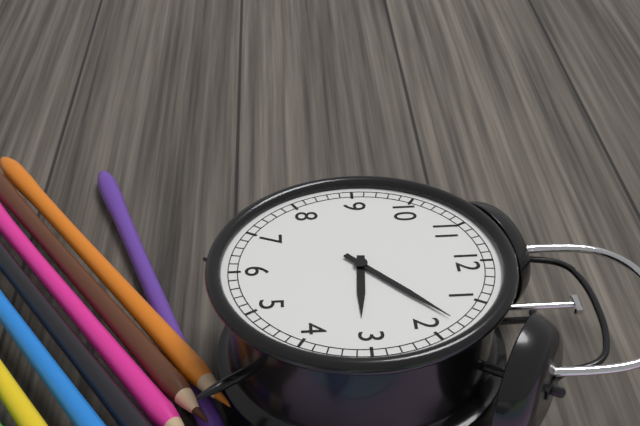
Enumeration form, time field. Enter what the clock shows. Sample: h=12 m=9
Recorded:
h=3 m=8
